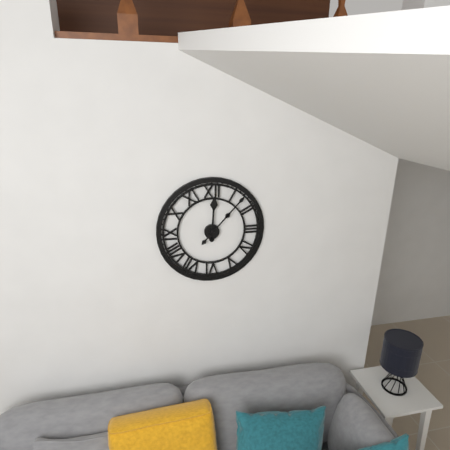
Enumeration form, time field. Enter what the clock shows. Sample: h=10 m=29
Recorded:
h=12 m=7
